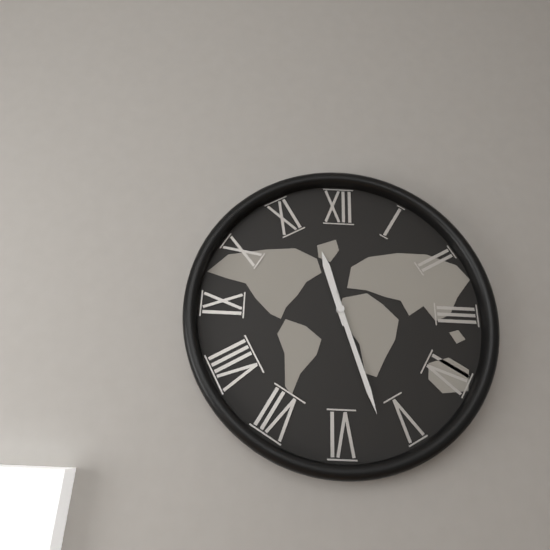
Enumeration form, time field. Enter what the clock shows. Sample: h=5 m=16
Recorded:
h=11 m=27
